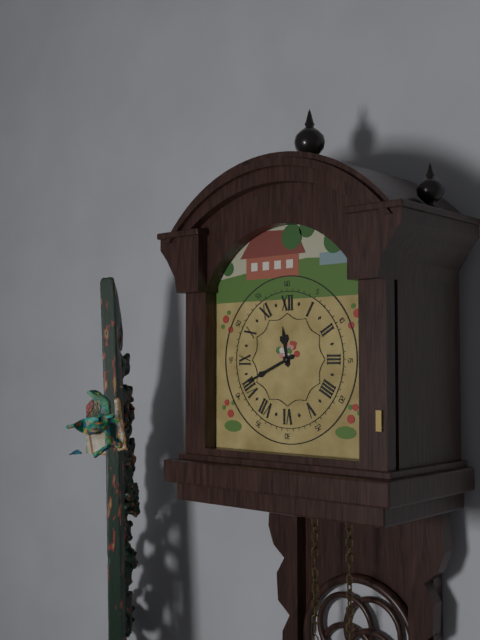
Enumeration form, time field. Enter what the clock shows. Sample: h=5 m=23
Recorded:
h=11 m=41
